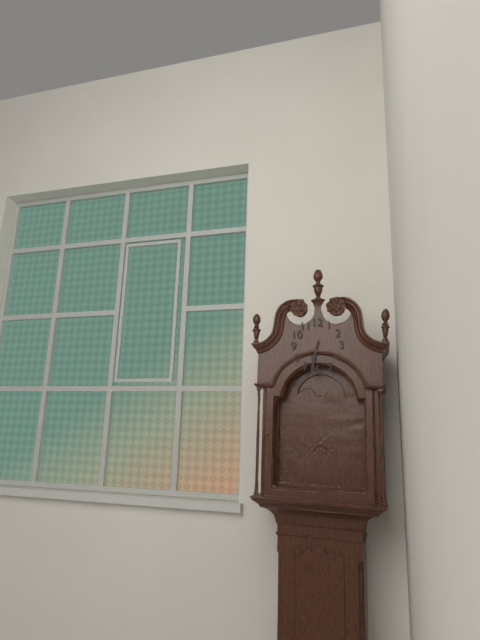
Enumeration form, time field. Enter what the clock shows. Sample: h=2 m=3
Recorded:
h=6 m=32
